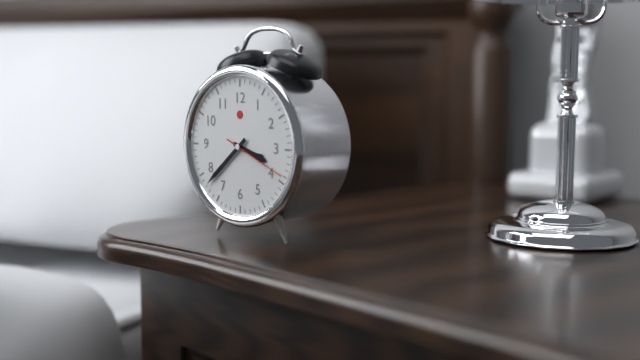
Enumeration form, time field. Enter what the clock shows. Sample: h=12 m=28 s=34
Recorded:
h=3 m=38 s=19
